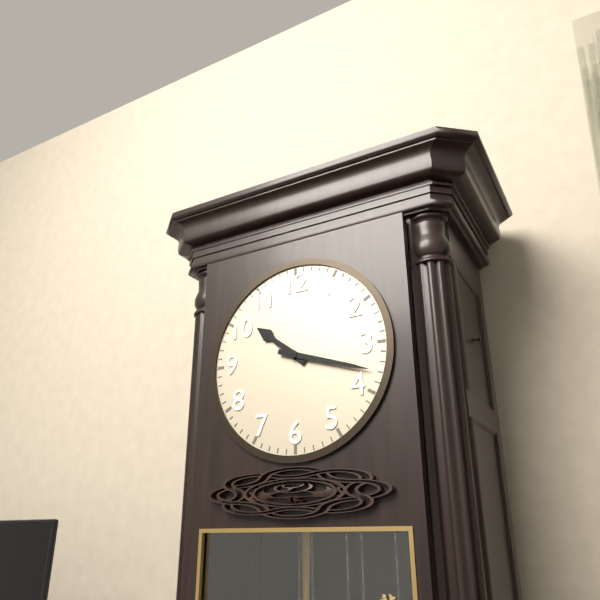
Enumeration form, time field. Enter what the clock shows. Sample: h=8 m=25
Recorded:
h=10 m=18
